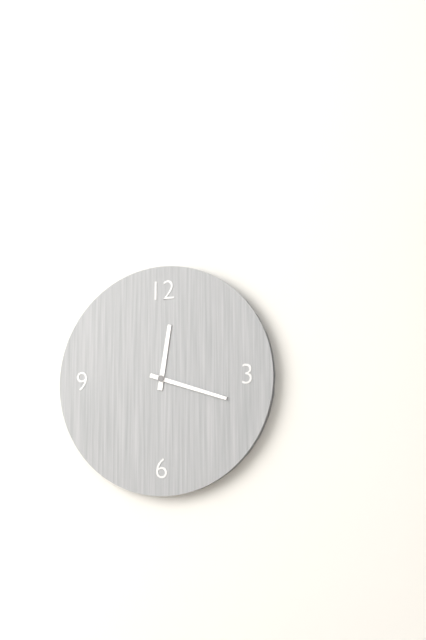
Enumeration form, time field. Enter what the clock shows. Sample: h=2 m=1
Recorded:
h=12 m=18
